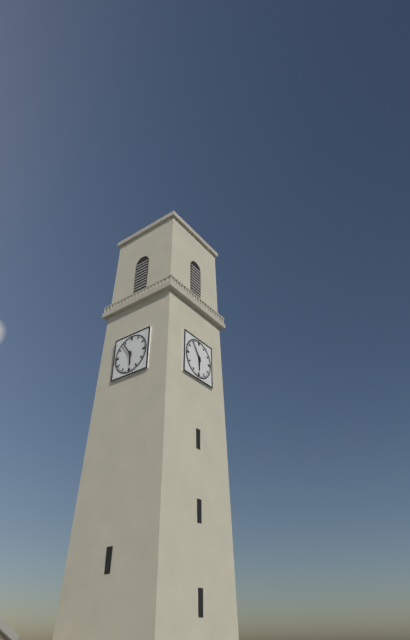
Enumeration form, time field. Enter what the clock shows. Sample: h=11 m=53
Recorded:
h=5 m=54
